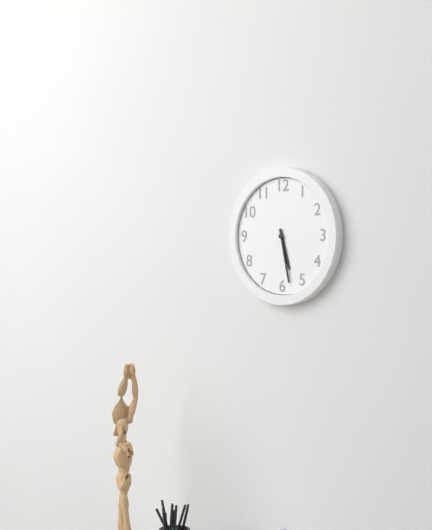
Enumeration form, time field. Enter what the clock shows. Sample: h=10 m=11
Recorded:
h=5 m=28
